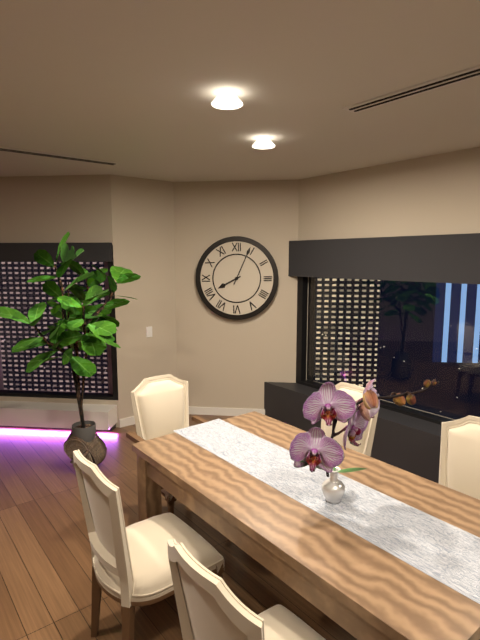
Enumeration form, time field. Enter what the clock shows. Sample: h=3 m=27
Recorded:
h=8 m=4
